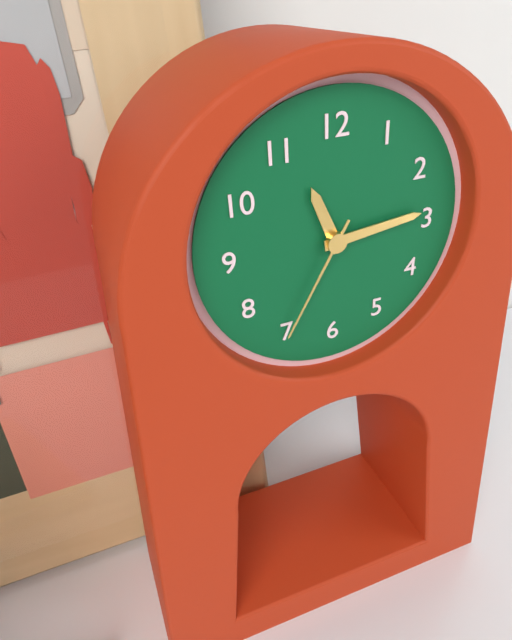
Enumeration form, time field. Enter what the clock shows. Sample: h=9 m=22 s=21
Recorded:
h=11 m=14 s=35
